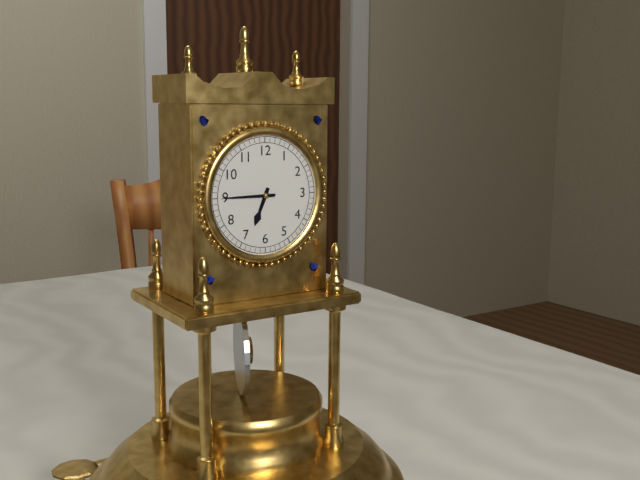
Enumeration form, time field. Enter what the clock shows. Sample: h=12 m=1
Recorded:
h=6 m=45
